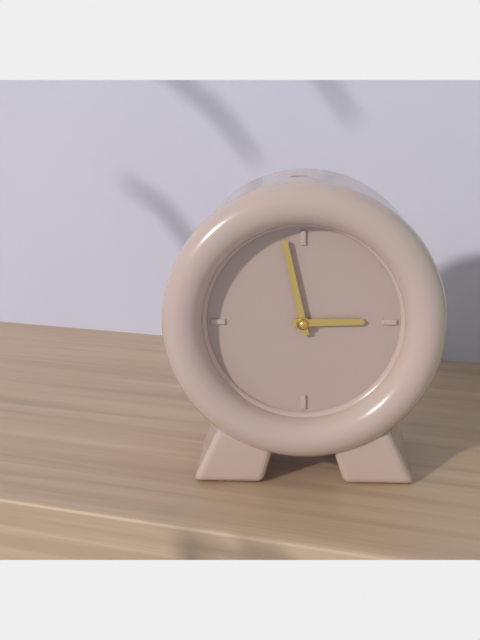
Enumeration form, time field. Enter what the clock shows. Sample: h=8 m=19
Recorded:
h=2 m=58
